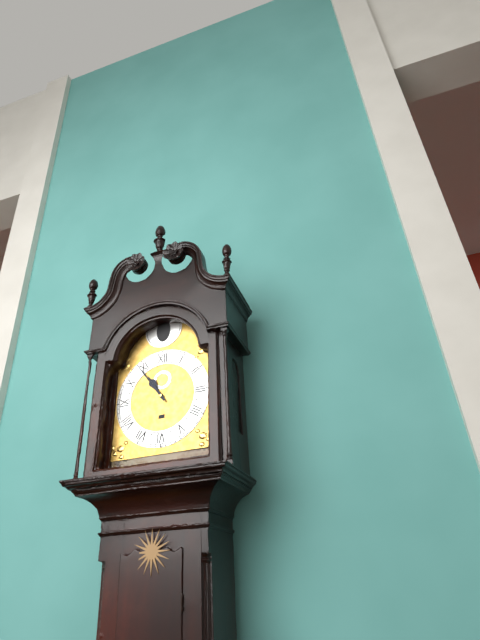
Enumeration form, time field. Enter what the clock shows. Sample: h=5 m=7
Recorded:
h=10 m=54
